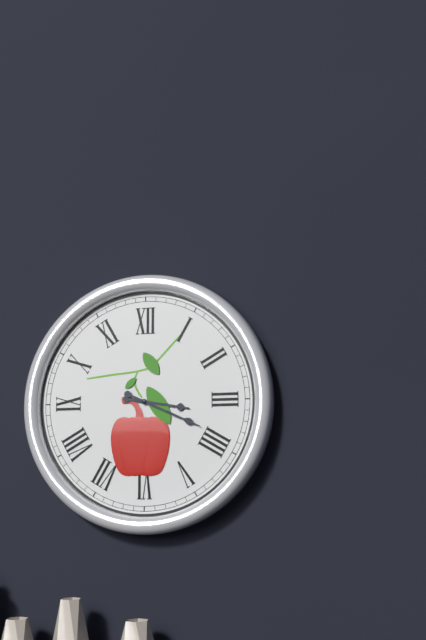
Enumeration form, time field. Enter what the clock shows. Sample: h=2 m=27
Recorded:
h=3 m=19
